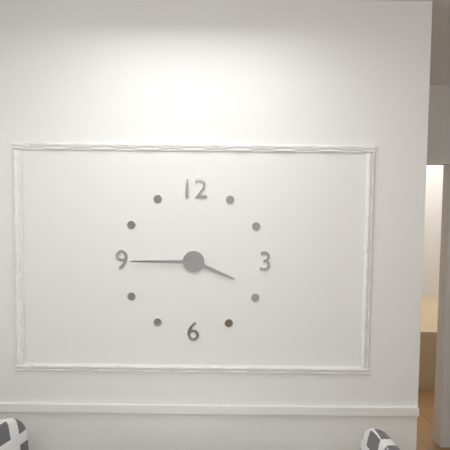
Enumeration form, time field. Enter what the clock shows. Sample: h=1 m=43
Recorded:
h=3 m=45
